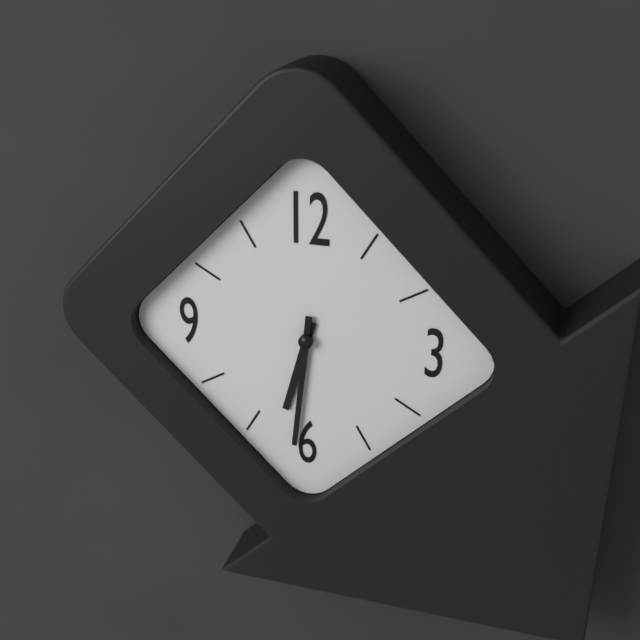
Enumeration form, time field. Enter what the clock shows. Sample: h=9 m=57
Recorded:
h=6 m=31
